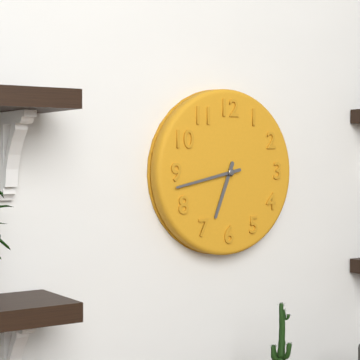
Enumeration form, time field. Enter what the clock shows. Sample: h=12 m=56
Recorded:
h=6 m=43
